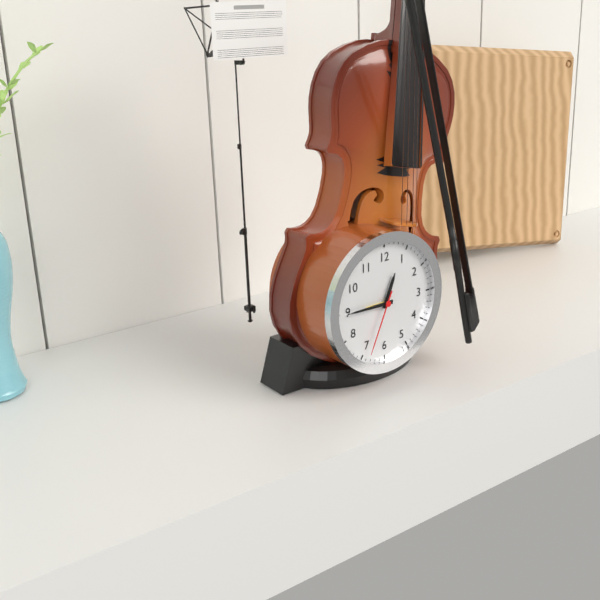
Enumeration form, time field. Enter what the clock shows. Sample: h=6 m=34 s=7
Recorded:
h=12 m=45 s=34
